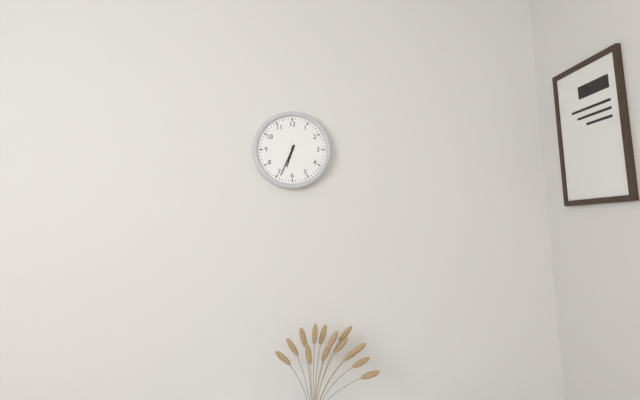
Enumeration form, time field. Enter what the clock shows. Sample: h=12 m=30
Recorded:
h=6 m=34
